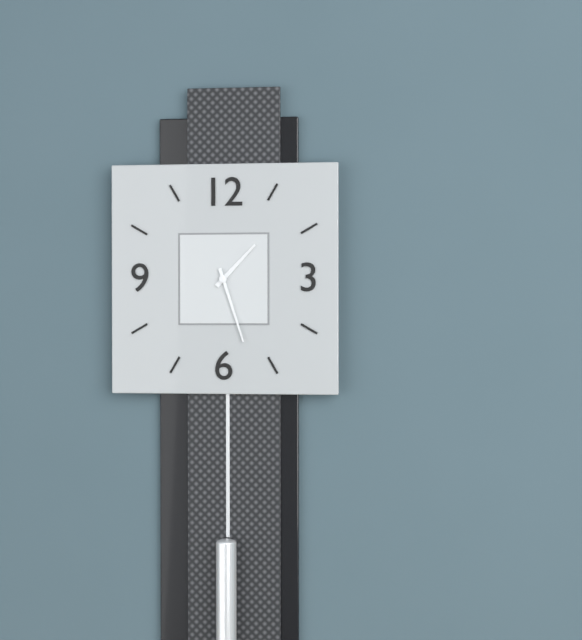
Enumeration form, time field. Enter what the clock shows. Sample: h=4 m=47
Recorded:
h=1 m=27
